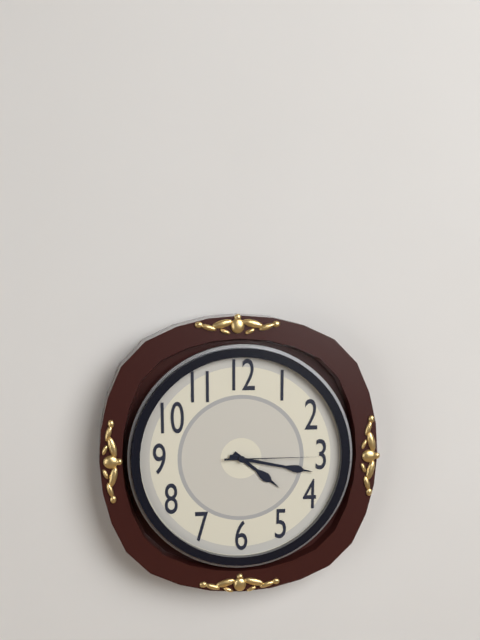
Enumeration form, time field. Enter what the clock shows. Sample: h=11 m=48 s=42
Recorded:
h=4 m=17 s=15
